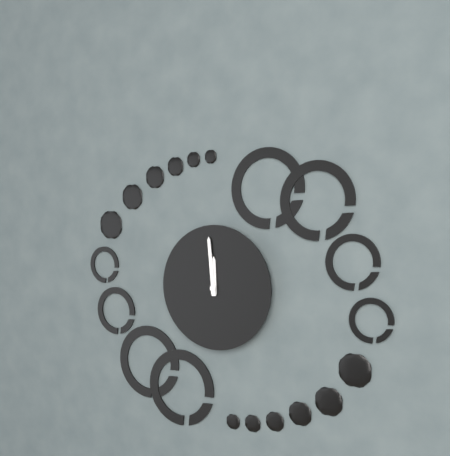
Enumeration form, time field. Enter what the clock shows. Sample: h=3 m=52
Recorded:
h=11 m=59
